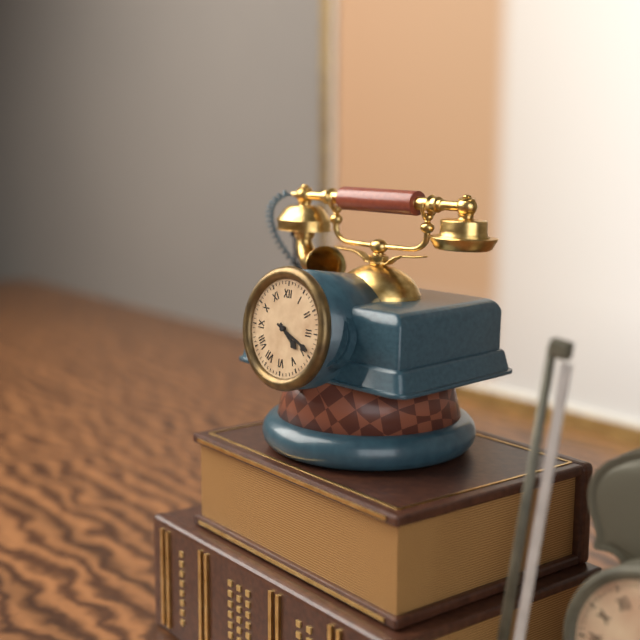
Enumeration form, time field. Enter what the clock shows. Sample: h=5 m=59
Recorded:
h=4 m=19
